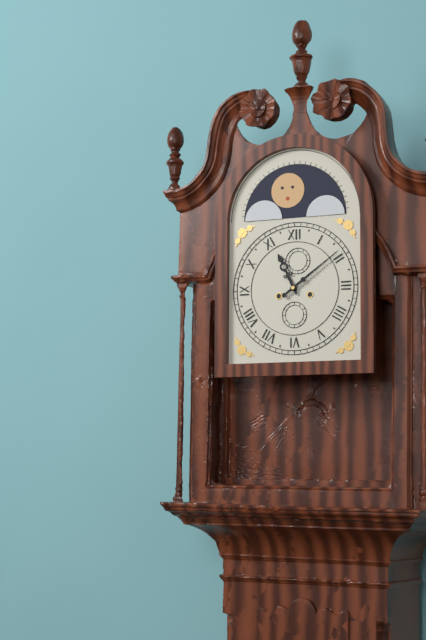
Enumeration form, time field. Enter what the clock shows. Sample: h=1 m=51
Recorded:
h=11 m=9
